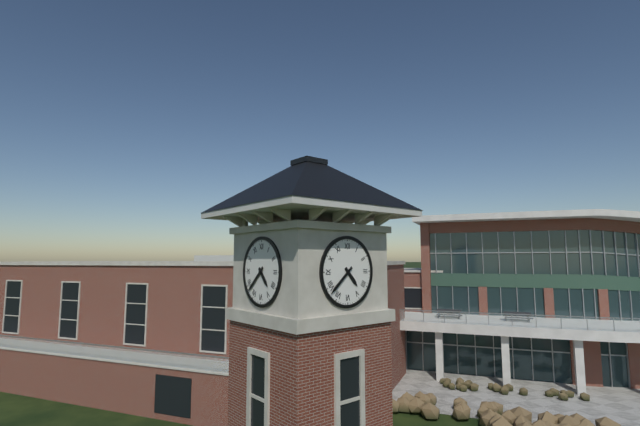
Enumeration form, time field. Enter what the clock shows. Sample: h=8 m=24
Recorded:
h=4 m=38
